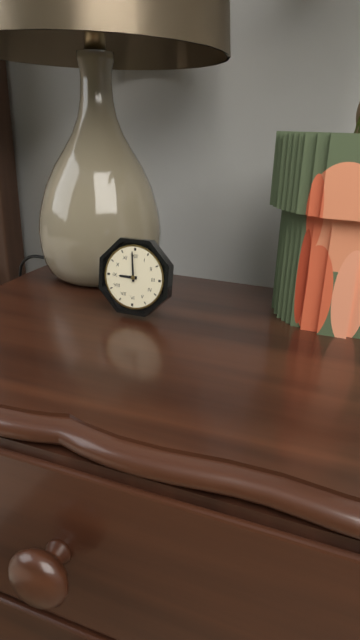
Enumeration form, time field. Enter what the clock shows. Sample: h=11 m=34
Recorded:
h=8 m=59
